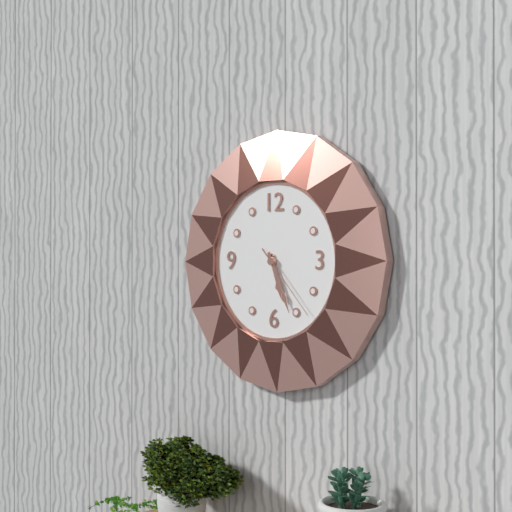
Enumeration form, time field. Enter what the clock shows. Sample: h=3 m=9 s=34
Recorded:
h=5 m=26 s=23
